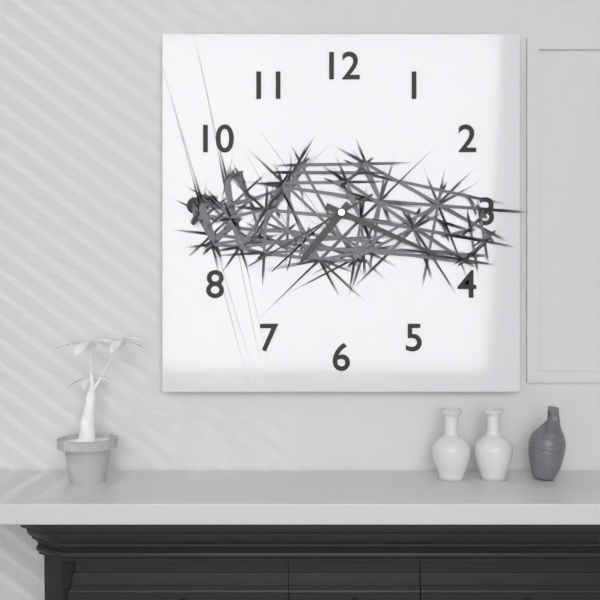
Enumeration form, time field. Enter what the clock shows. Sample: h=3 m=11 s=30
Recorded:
h=7 m=19 s=40
